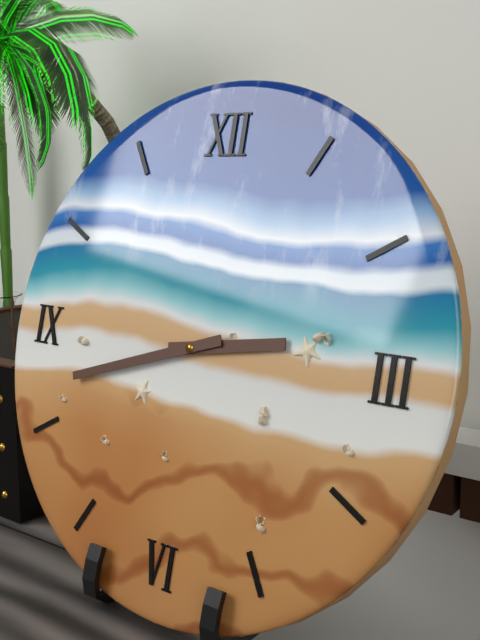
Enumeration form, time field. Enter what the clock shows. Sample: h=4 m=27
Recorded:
h=2 m=42
